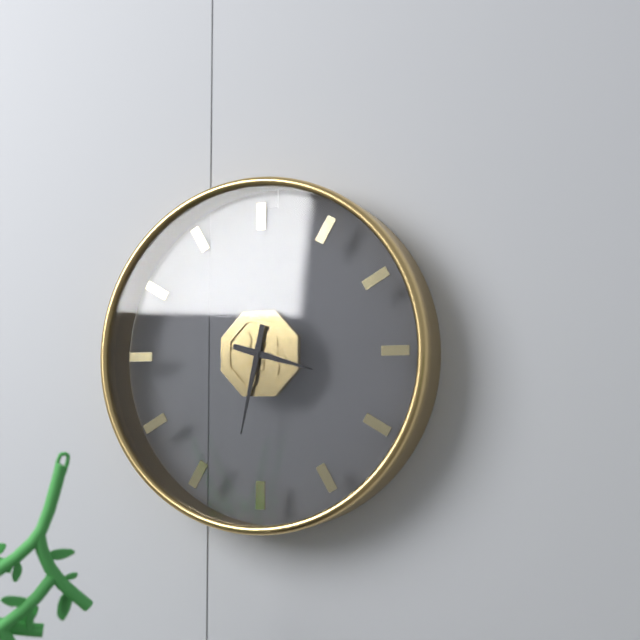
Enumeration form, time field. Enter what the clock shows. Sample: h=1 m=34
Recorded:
h=3 m=32
